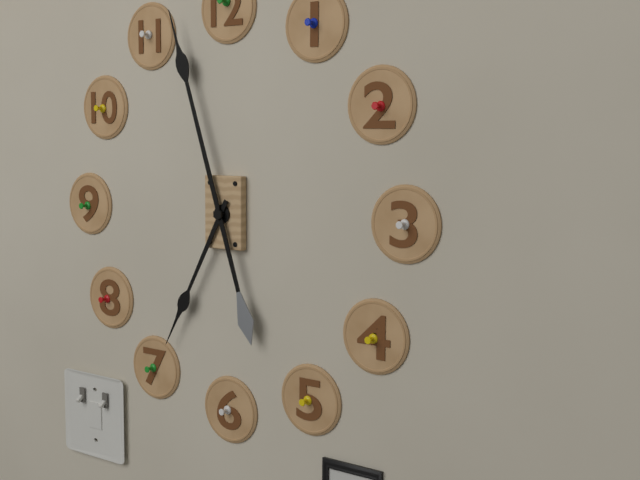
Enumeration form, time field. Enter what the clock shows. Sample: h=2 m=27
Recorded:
h=6 m=57
